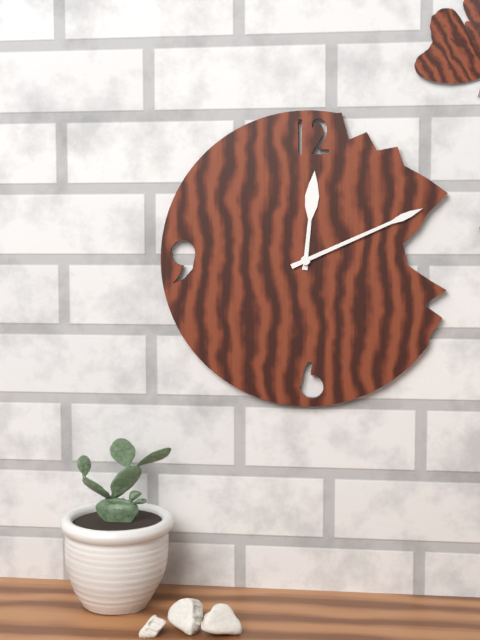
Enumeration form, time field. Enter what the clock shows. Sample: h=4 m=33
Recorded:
h=12 m=11
